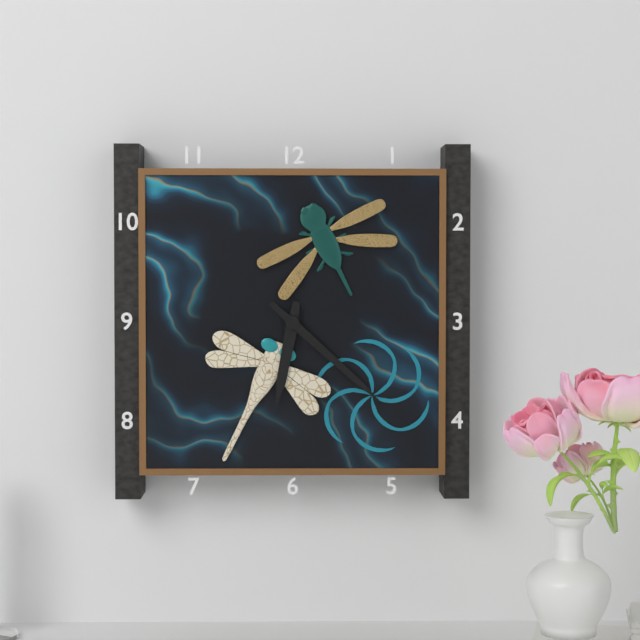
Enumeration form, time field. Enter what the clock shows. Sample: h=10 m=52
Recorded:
h=6 m=22
